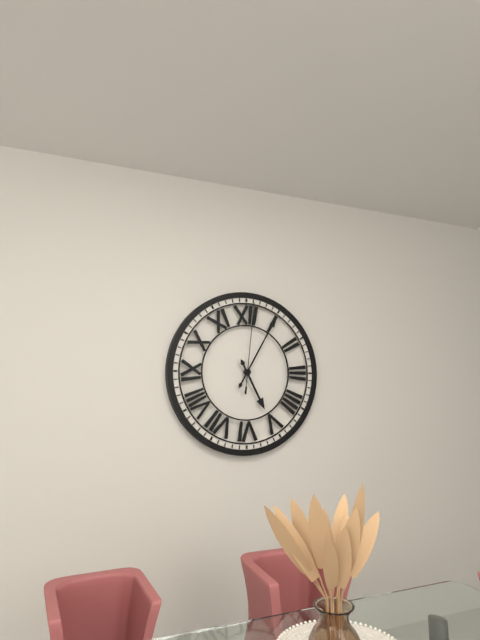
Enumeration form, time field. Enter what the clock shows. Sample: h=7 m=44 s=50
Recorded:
h=5 m=5 s=1
